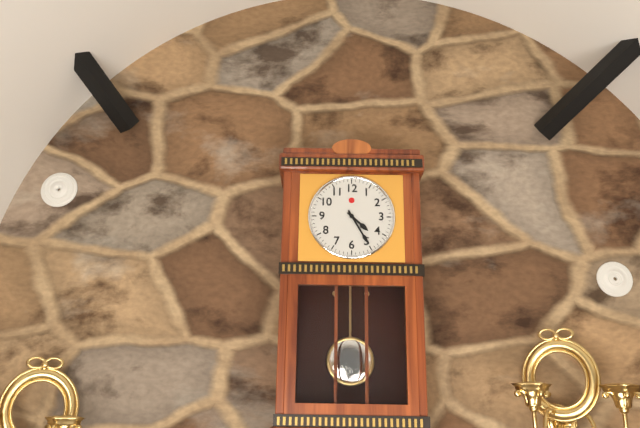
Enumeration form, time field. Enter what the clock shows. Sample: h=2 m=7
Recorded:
h=4 m=25
